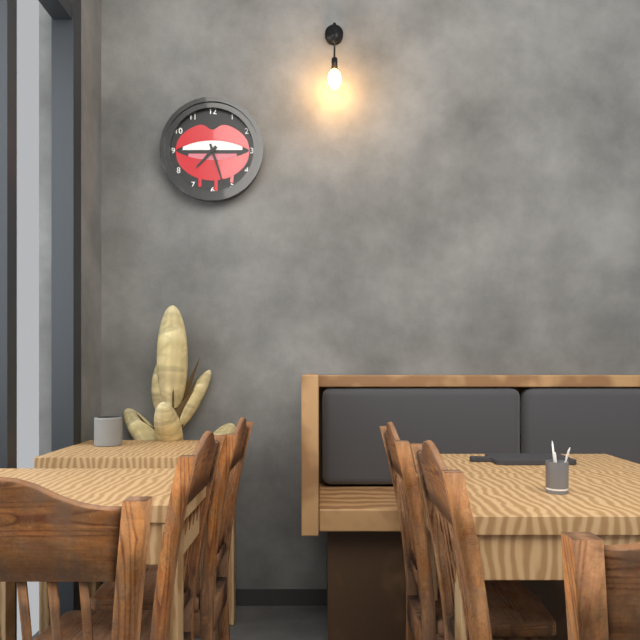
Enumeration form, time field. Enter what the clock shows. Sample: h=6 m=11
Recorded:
h=7 m=27
